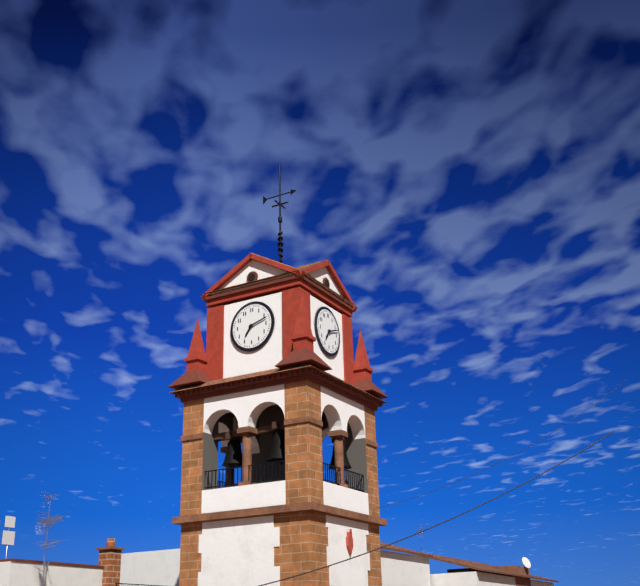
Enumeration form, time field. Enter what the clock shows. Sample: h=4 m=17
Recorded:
h=7 m=12
